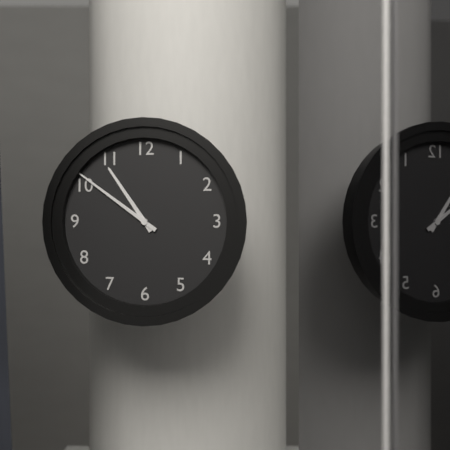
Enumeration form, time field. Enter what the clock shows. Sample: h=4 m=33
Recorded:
h=10 m=51
